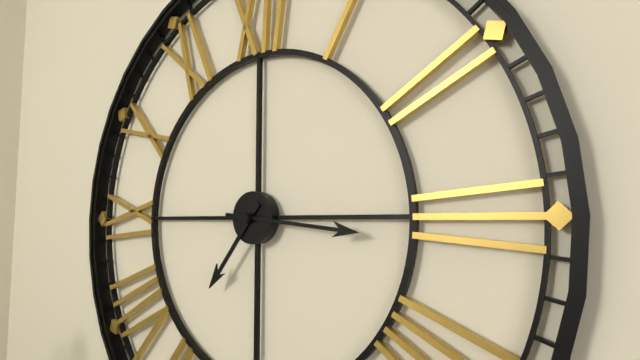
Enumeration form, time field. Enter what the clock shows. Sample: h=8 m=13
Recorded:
h=7 m=16
